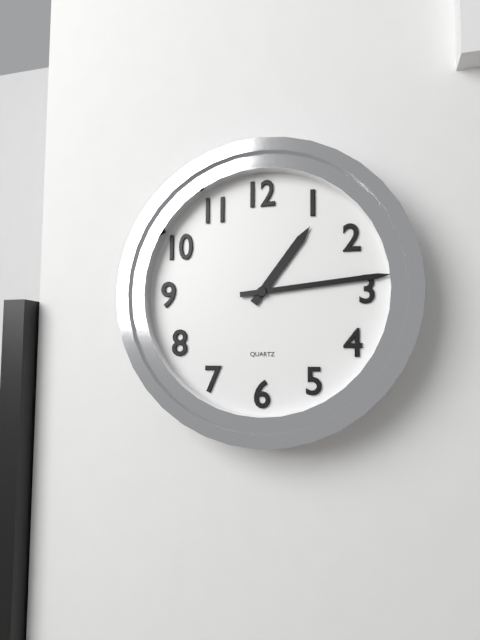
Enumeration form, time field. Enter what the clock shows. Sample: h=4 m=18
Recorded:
h=1 m=14
